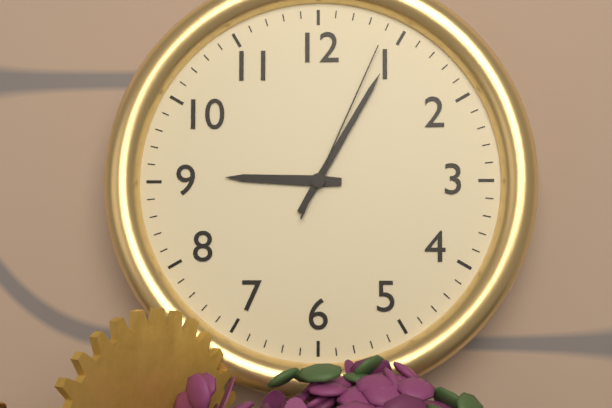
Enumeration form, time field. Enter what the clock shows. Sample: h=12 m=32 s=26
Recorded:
h=9 m=5 s=4
